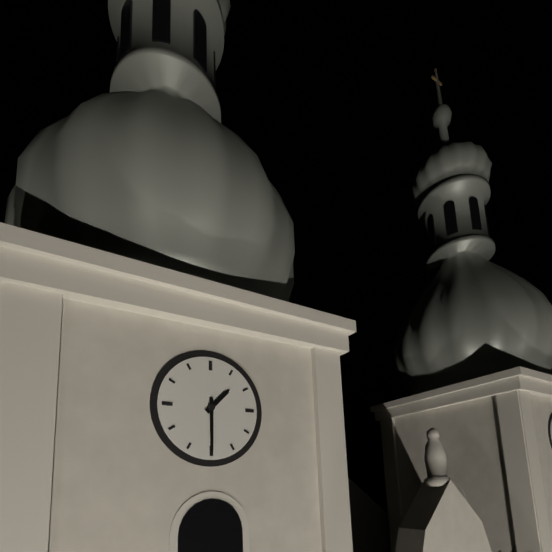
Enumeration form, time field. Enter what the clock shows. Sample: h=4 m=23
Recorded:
h=1 m=30
